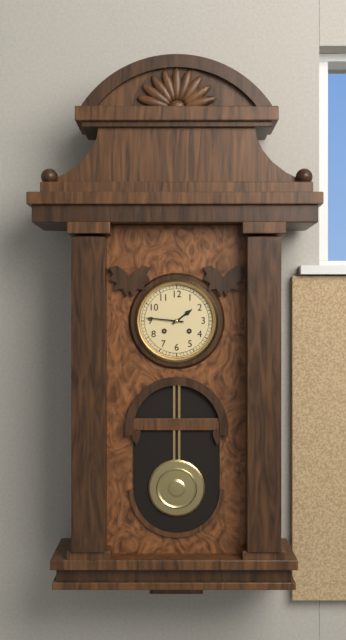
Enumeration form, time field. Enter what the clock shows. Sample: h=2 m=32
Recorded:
h=1 m=46
